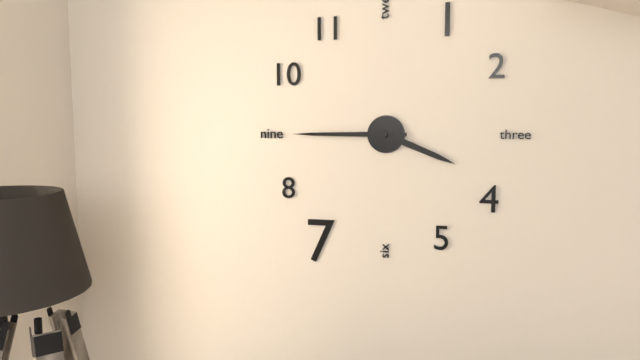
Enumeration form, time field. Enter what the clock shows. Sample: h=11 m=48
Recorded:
h=3 m=45
